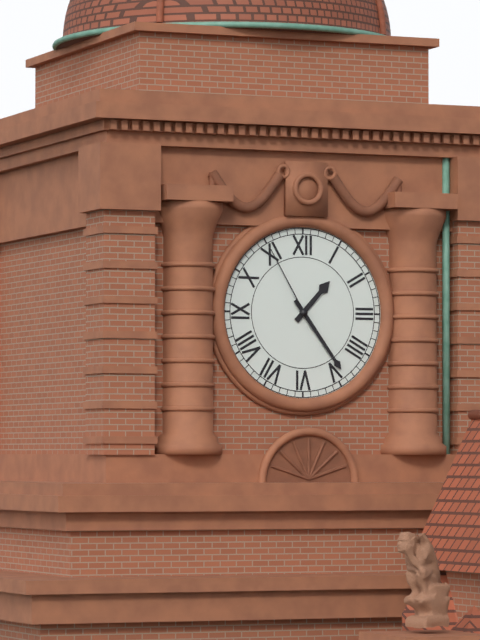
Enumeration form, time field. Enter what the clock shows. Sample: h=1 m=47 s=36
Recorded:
h=1 m=24 s=55
